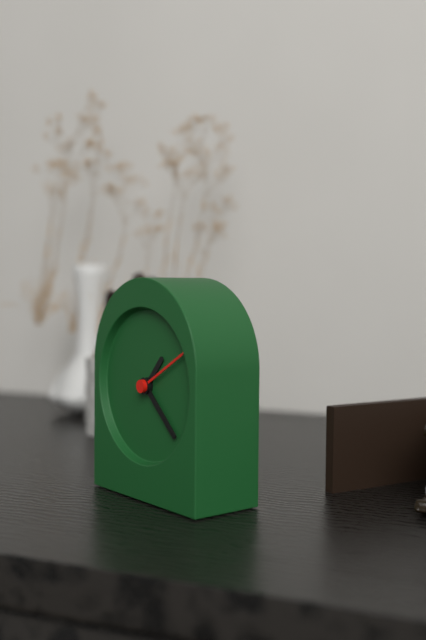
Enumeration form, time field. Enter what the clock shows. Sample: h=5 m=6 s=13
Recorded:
h=1 m=22 s=10
